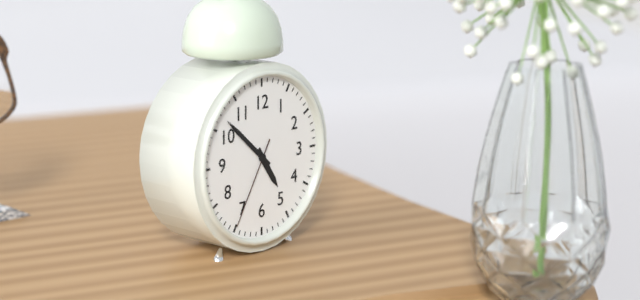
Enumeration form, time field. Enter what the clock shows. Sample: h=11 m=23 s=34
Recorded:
h=4 m=52 s=35
